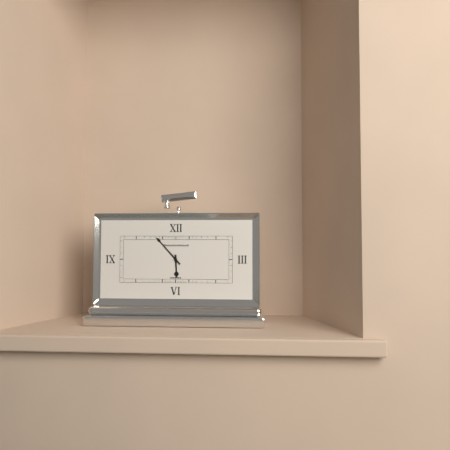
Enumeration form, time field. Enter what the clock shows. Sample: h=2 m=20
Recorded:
h=5 m=53
